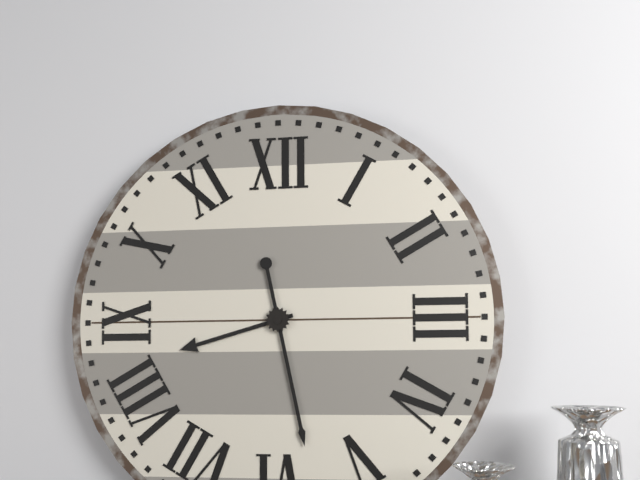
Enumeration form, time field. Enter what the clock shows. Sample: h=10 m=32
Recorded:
h=8 m=28
